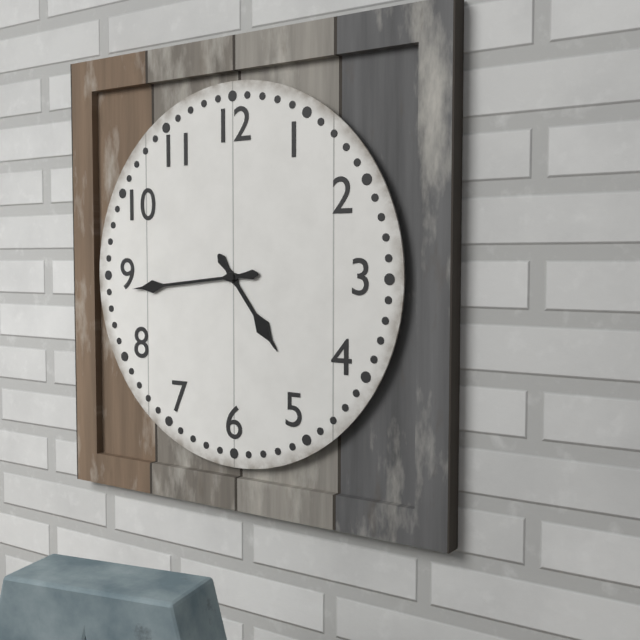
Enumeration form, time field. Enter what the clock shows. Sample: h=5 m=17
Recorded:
h=4 m=44
